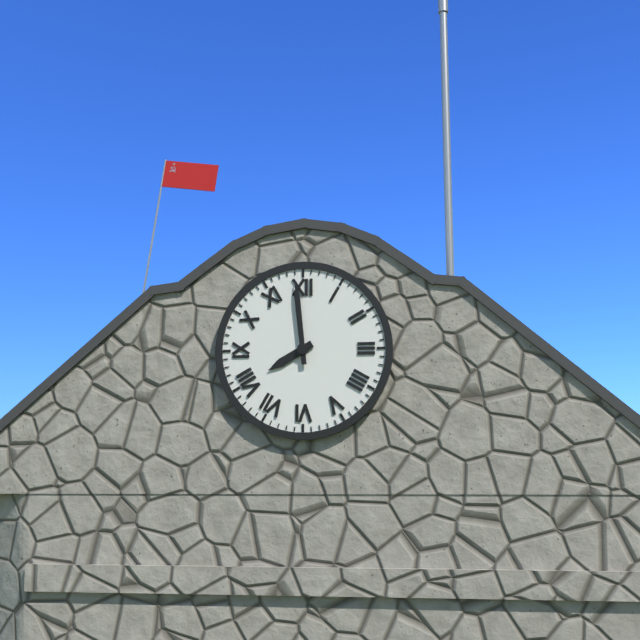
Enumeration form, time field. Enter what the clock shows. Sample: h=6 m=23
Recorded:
h=7 m=59
